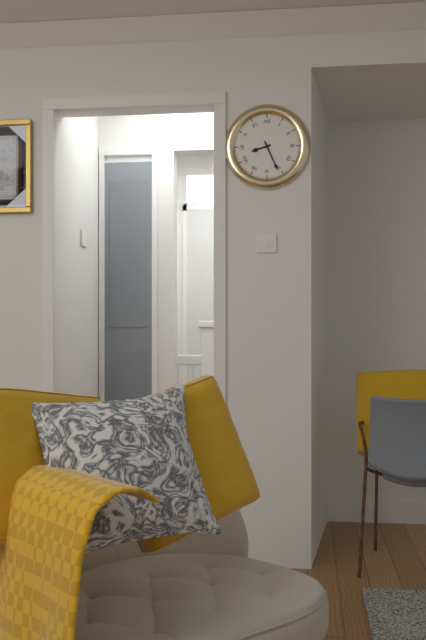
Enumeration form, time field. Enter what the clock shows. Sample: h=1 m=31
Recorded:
h=8 m=26
